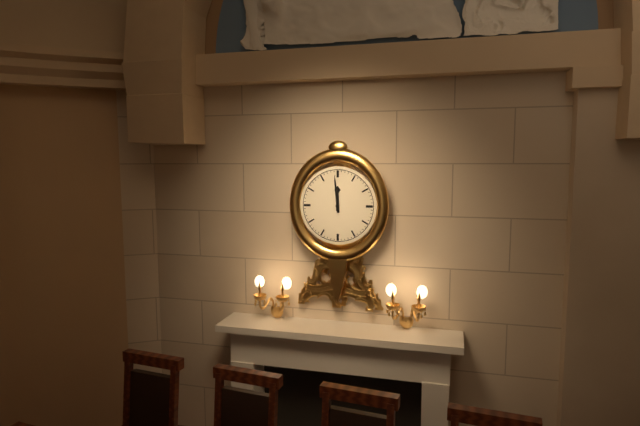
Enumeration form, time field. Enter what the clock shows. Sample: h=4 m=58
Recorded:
h=11 m=59
